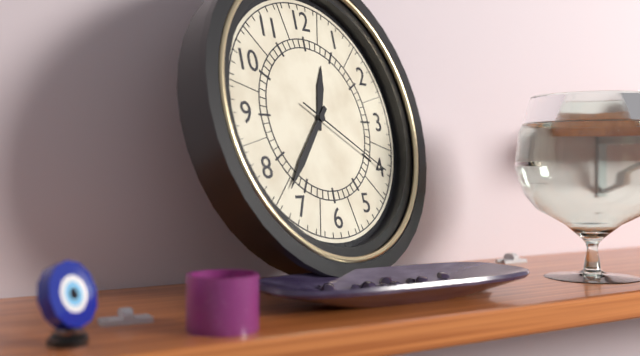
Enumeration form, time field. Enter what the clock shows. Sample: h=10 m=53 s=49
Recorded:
h=12 m=37 s=20
